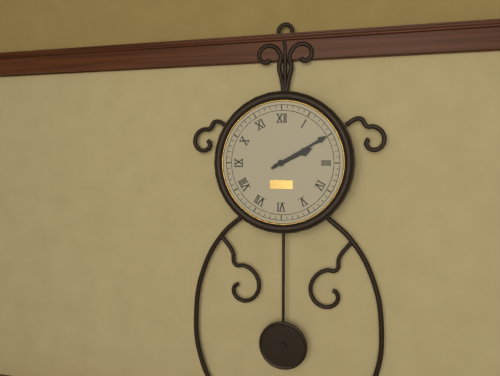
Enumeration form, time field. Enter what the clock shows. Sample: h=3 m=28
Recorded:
h=2 m=10
